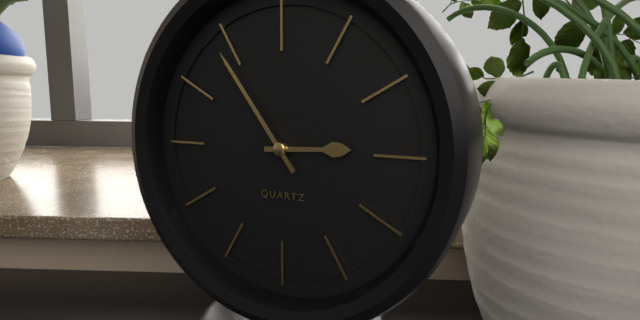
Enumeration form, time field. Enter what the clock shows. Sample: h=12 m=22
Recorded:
h=2 m=54
